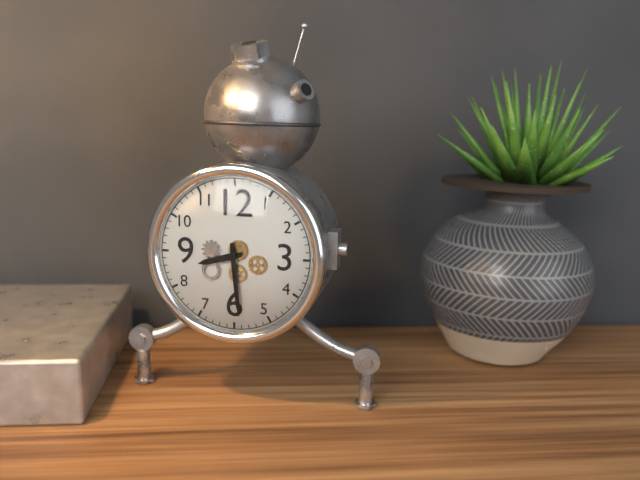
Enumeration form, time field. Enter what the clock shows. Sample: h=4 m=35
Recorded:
h=8 m=29
